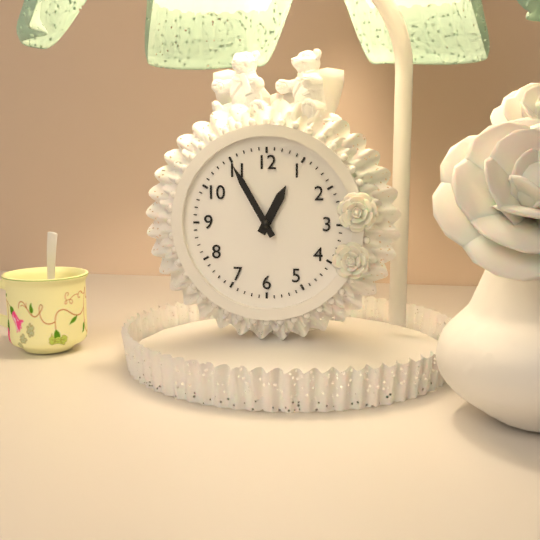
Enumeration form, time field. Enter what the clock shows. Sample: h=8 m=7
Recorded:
h=12 m=55
